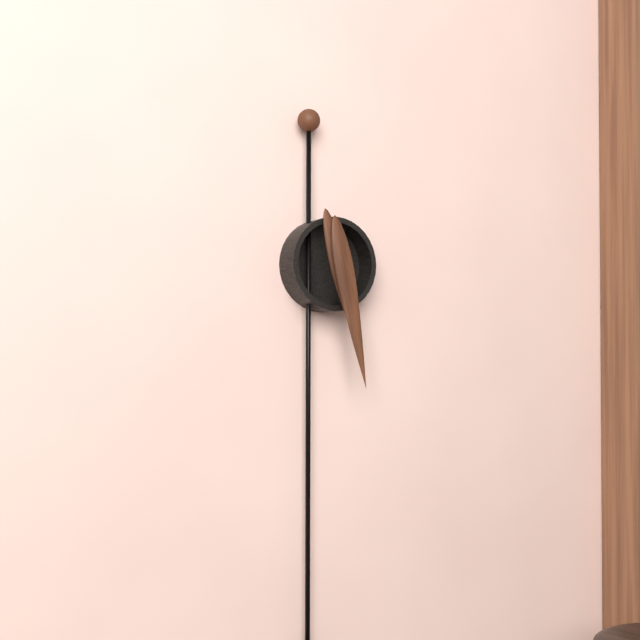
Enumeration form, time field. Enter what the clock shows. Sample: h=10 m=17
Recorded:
h=5 m=28
